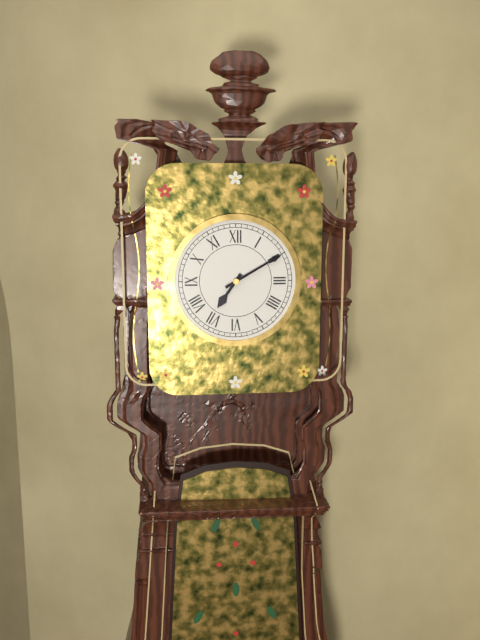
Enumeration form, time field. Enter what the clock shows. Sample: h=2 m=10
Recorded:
h=7 m=10
